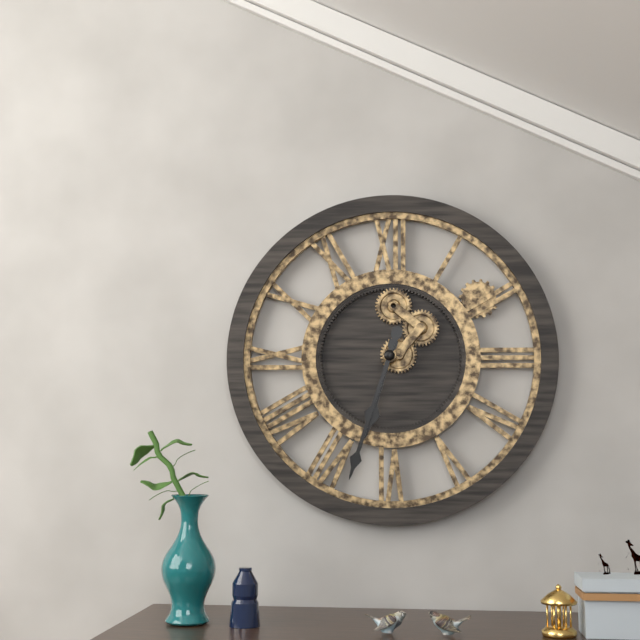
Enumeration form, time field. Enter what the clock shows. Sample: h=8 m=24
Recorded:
h=6 m=33
